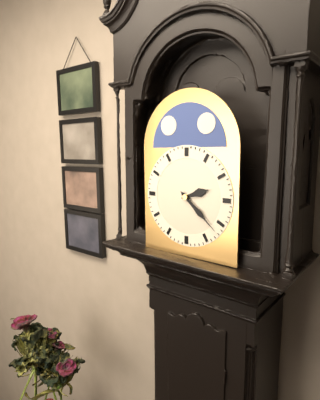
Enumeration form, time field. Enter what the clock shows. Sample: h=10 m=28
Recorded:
h=2 m=22
